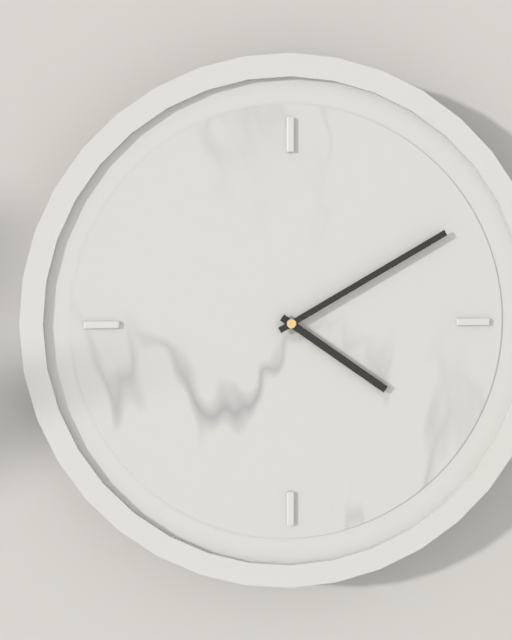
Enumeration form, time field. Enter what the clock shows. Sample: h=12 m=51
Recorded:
h=4 m=10
